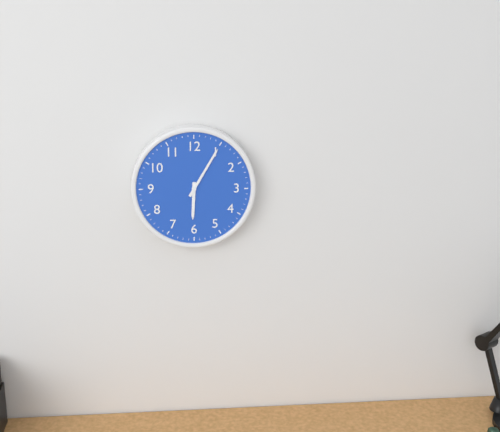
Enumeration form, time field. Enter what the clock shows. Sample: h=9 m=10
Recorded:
h=6 m=5
